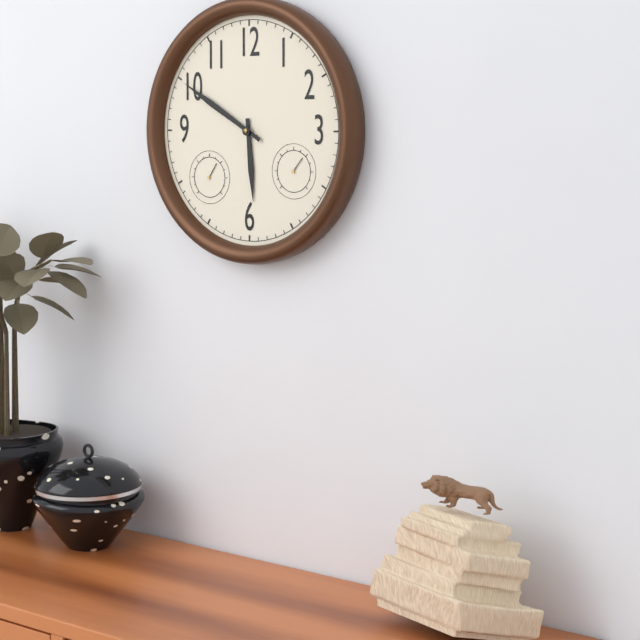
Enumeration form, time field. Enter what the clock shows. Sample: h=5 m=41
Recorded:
h=5 m=50
